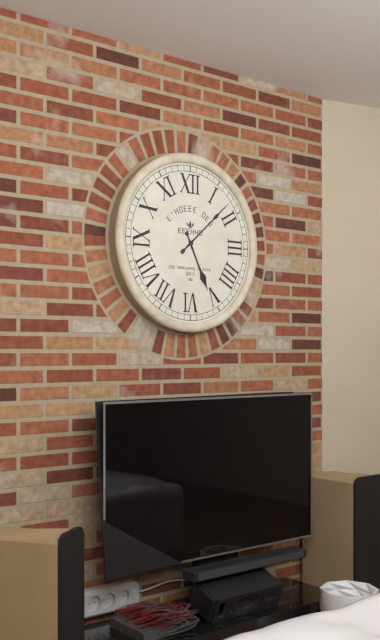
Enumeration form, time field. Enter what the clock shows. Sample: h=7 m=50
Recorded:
h=5 m=8
